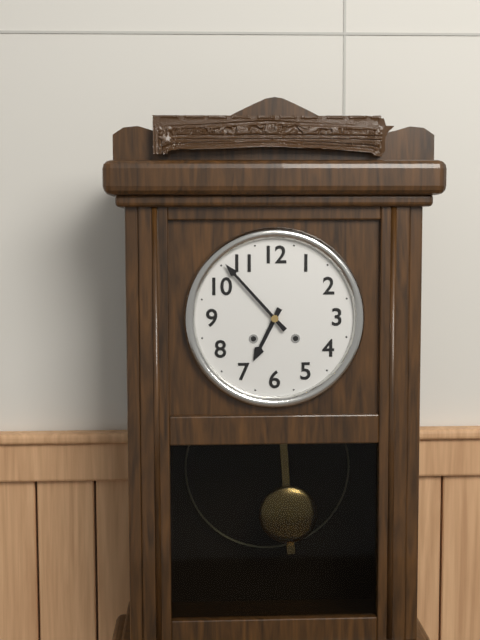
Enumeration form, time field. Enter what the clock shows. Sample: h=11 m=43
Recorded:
h=6 m=53
